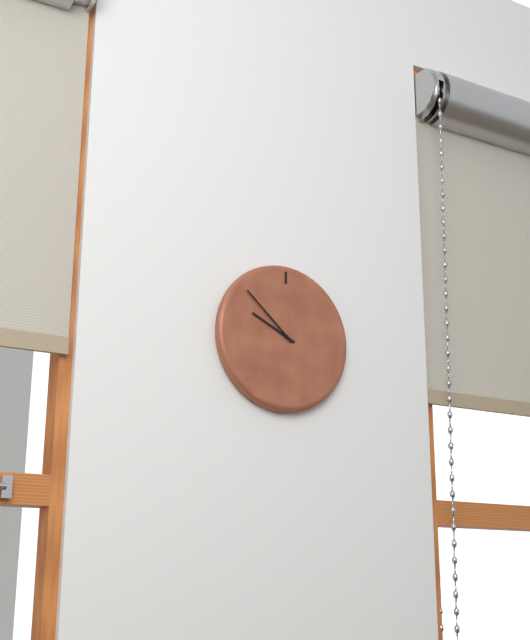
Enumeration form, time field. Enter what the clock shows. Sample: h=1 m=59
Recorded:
h=9 m=52
